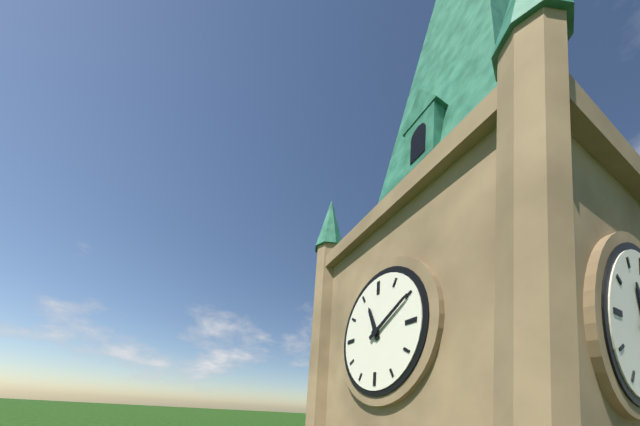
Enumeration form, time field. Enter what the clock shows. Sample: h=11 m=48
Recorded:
h=11 m=10
